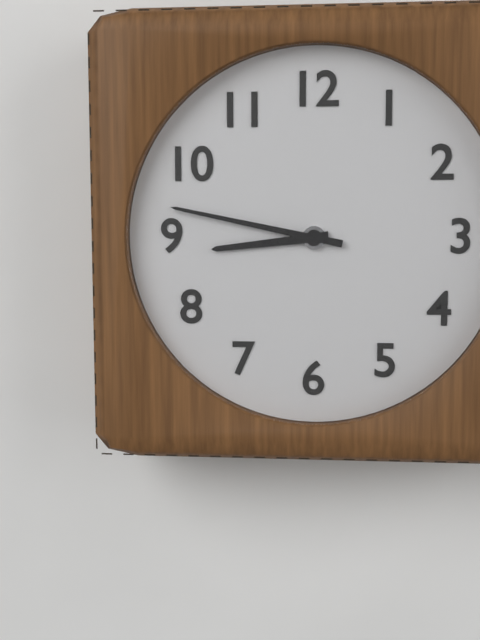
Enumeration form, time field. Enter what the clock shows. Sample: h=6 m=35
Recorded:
h=8 m=47
